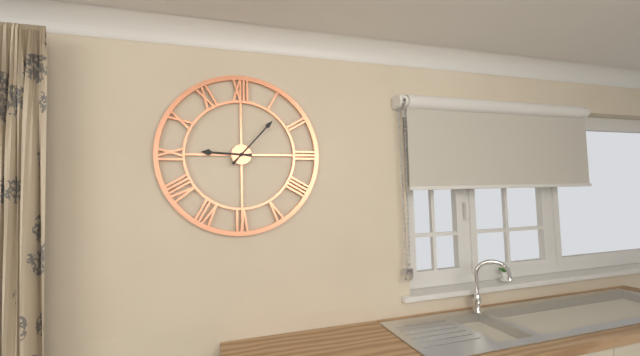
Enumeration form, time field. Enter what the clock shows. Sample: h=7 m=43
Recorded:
h=9 m=7
